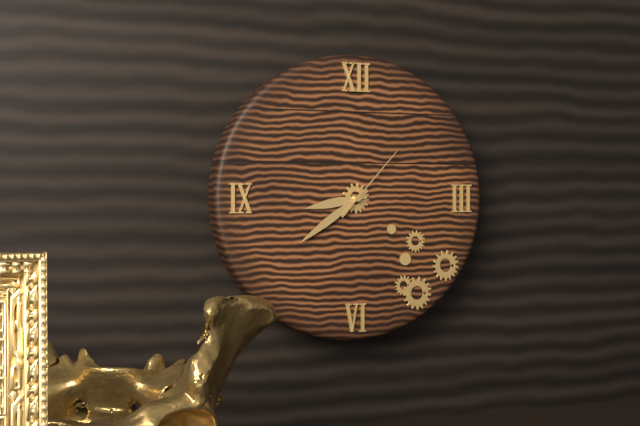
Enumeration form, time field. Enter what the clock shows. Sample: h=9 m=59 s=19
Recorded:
h=8 m=39 s=7
